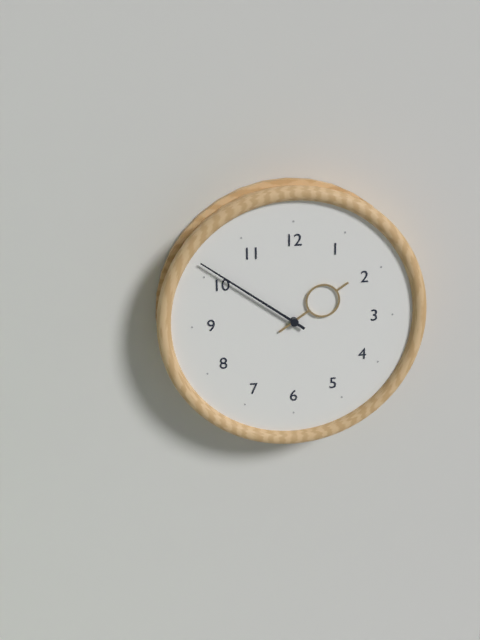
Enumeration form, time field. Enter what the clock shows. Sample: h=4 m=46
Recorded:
h=1 m=51
